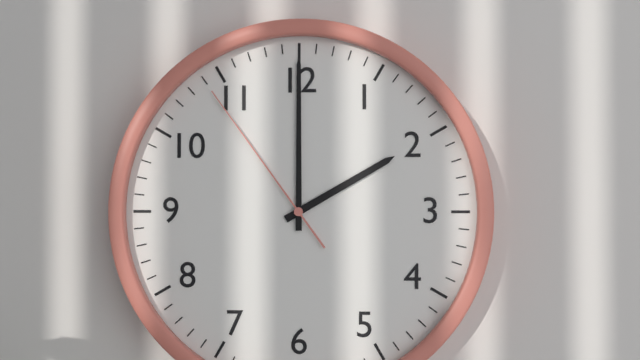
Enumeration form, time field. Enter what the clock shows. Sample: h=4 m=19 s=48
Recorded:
h=2 m=0 s=54
